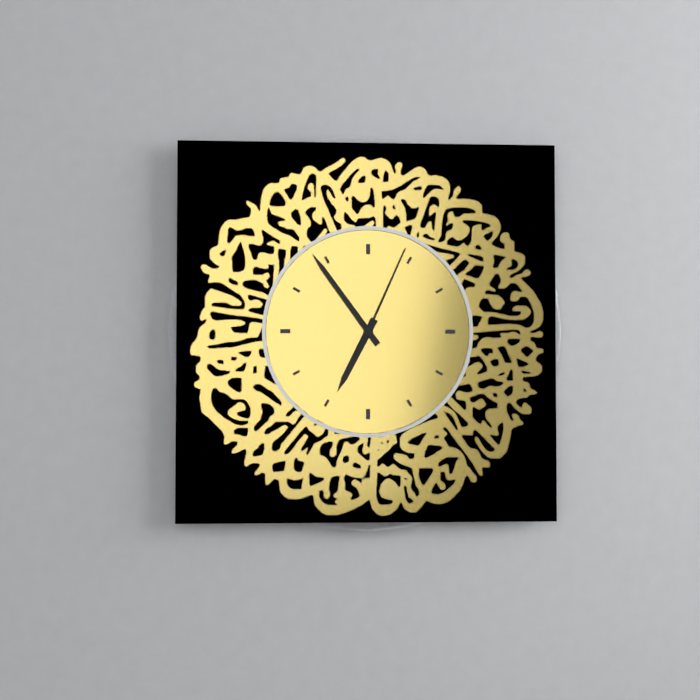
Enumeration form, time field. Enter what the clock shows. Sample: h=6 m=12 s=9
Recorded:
h=6 m=54 s=4
